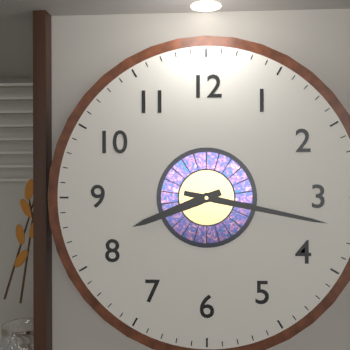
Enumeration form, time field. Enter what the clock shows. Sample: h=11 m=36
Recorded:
h=8 m=17
